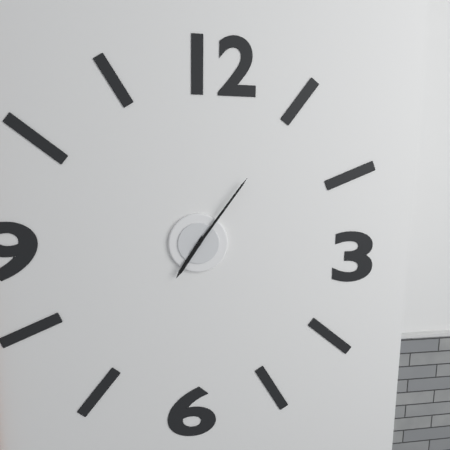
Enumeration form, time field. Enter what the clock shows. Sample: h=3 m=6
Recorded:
h=7 m=6
